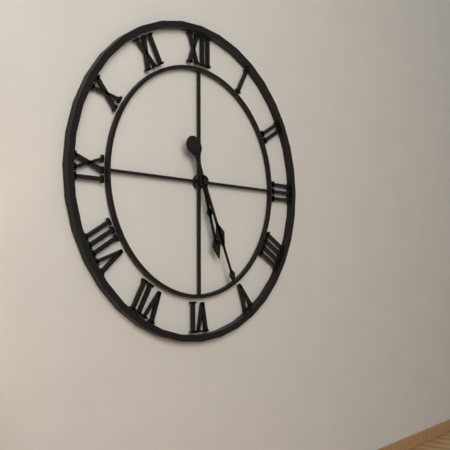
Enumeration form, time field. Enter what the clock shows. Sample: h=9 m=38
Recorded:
h=5 m=26
